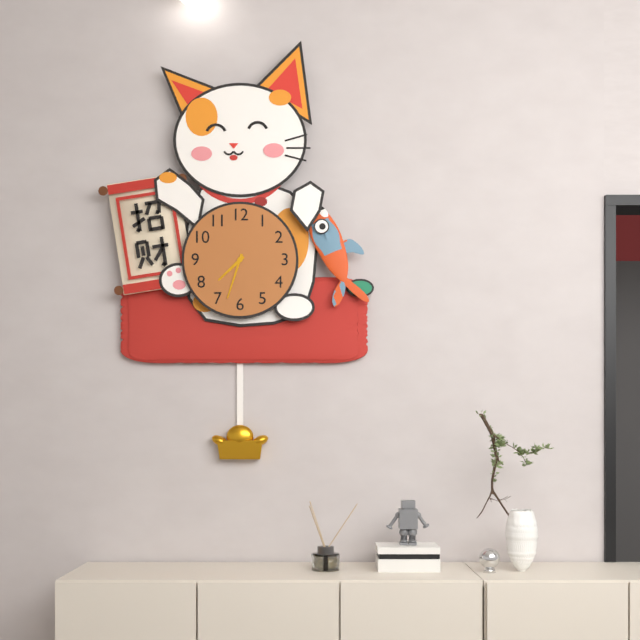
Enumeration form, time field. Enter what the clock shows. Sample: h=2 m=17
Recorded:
h=7 m=33
